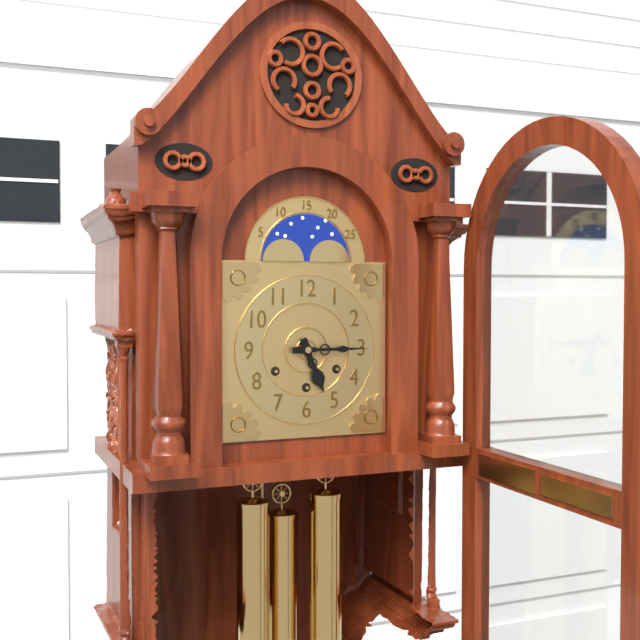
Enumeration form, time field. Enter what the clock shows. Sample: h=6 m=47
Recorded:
h=5 m=15
